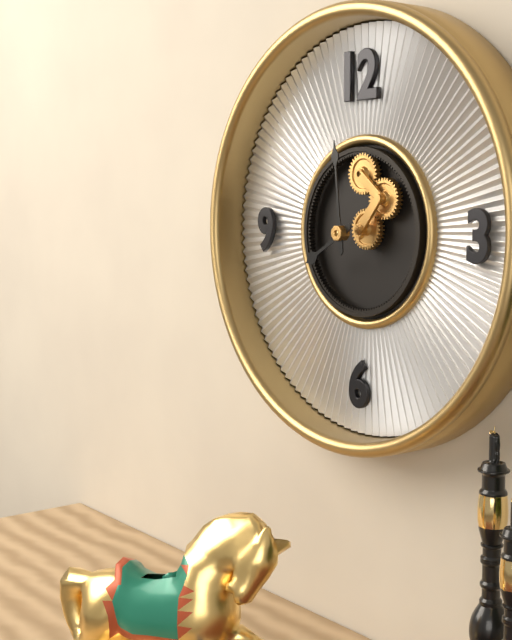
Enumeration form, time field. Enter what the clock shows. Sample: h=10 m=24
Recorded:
h=7 m=59
